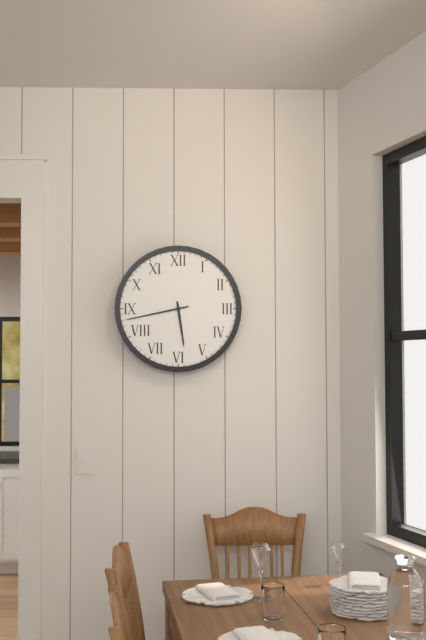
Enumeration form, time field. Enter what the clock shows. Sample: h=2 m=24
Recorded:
h=5 m=43
